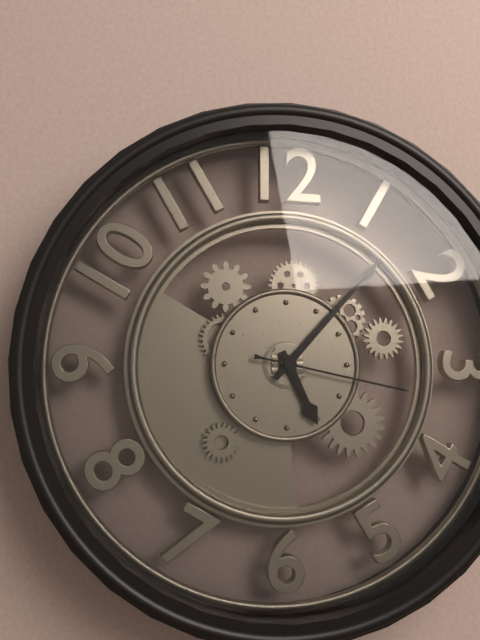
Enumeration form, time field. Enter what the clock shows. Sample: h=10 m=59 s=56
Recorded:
h=5 m=7 s=17
